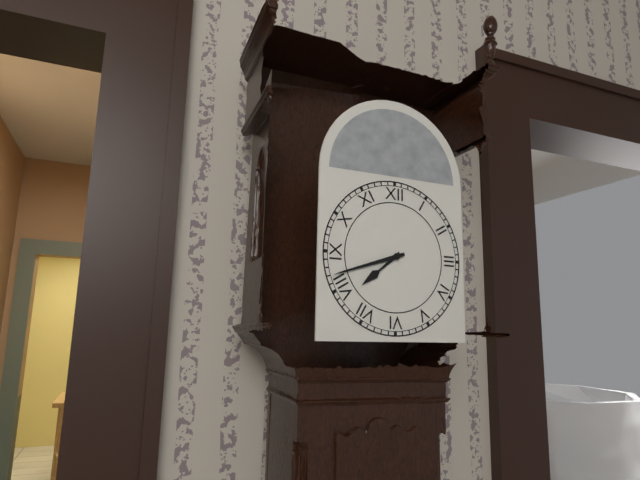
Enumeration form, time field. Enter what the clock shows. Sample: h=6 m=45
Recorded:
h=7 m=42
